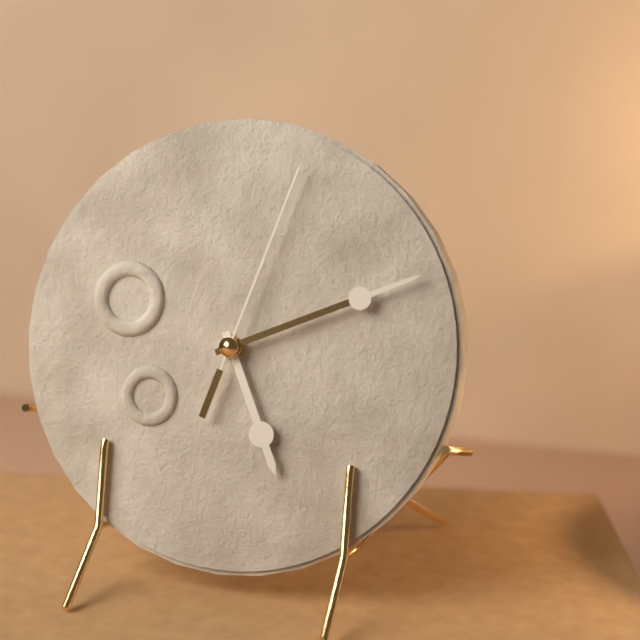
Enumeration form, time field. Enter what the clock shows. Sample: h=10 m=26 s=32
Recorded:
h=5 m=11 s=3
